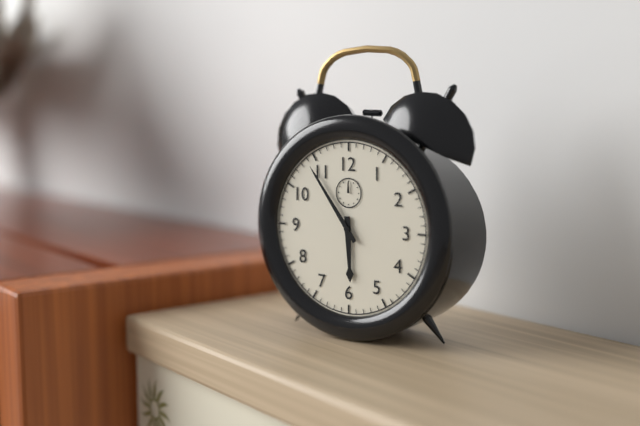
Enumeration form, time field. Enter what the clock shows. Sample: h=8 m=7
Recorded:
h=5 m=54
